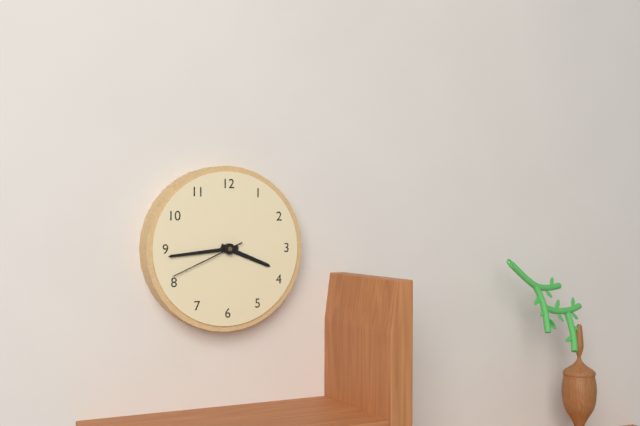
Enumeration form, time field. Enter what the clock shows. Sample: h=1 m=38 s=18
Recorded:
h=3 m=44 s=41
